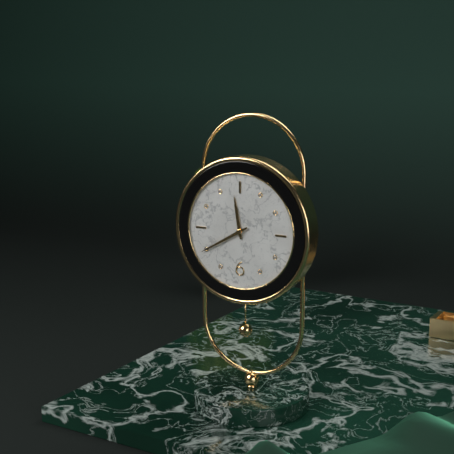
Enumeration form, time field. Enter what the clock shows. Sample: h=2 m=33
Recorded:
h=11 m=40
